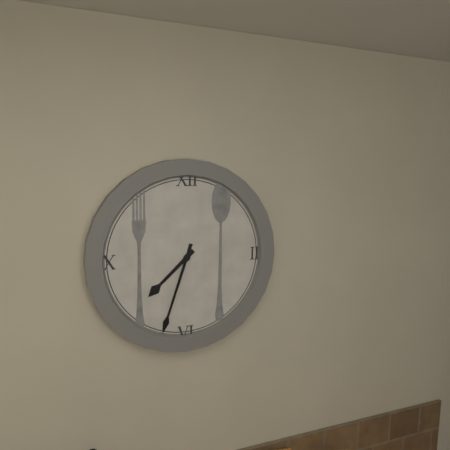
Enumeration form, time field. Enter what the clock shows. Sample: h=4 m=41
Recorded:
h=7 m=33
